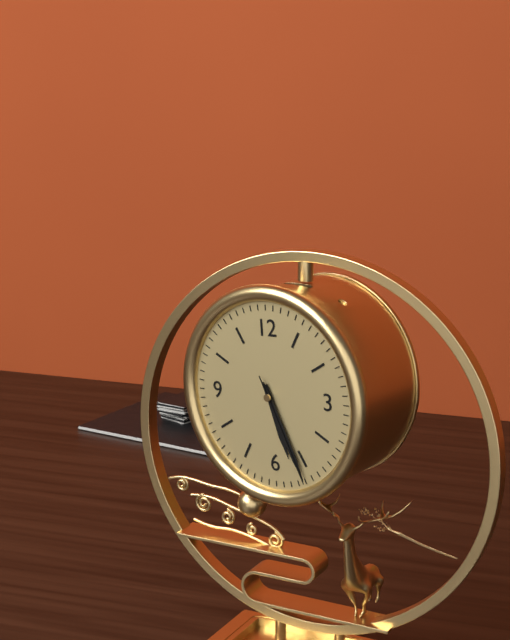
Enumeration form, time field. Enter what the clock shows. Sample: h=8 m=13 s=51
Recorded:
h=5 m=26 s=26
